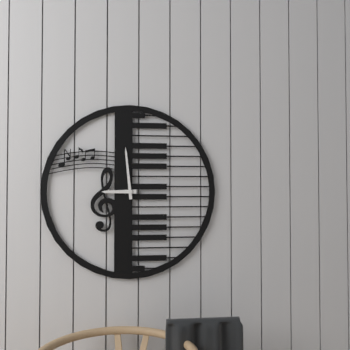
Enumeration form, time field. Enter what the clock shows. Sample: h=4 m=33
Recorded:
h=8 m=59
